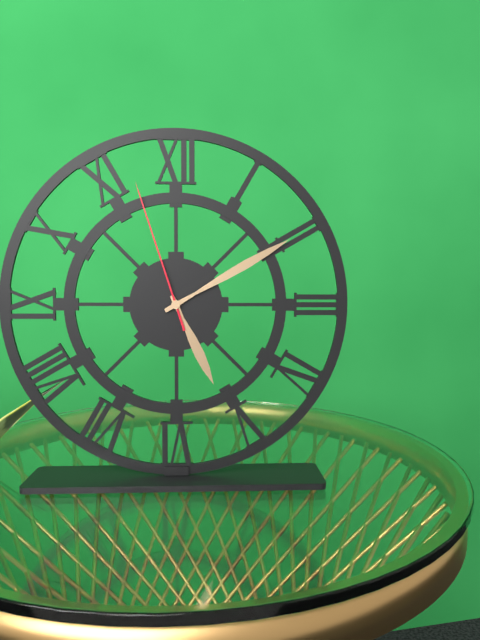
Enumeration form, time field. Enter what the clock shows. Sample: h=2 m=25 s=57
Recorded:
h=5 m=10 s=57
